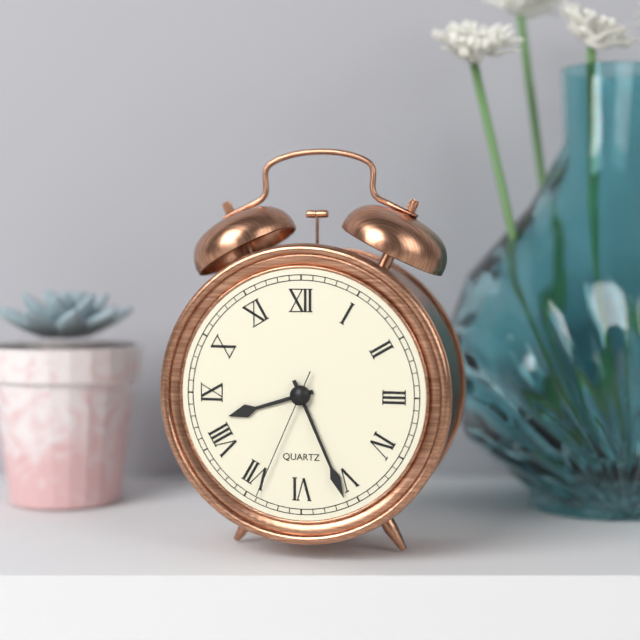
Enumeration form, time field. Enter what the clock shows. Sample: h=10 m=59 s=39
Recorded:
h=8 m=26 s=34
